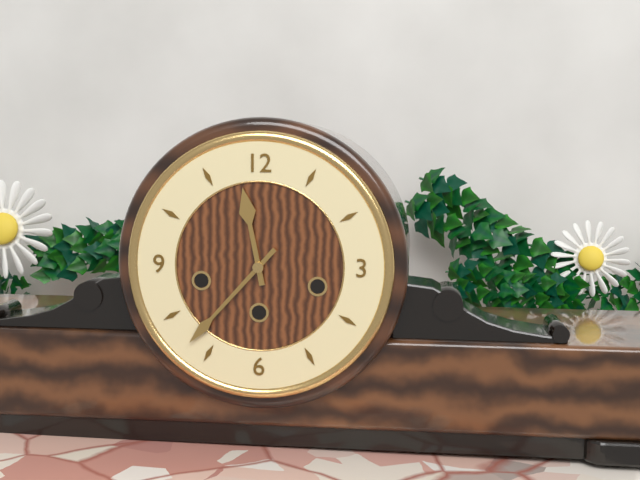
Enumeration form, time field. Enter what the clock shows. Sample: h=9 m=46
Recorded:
h=11 m=37
